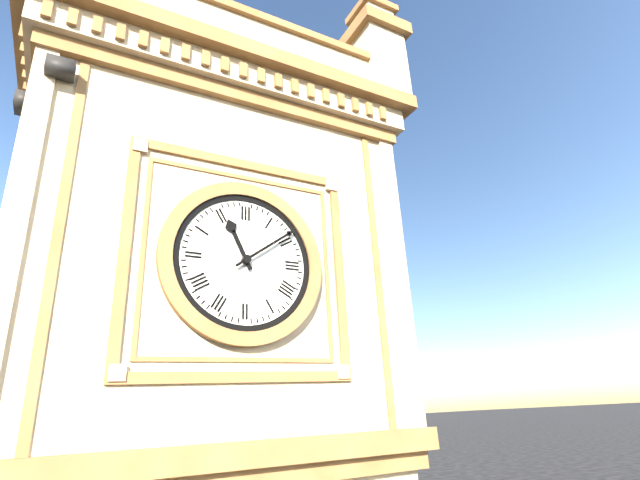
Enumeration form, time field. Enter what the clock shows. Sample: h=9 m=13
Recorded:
h=11 m=9
